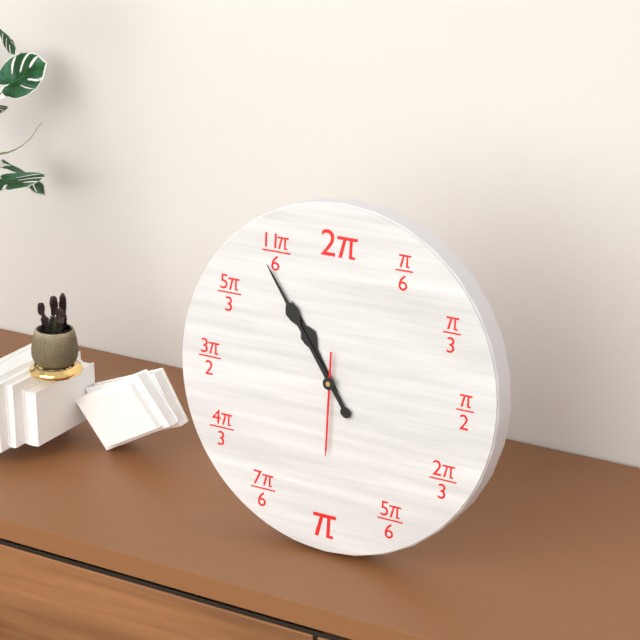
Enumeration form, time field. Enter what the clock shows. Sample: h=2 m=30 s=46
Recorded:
h=10 m=54 s=30
